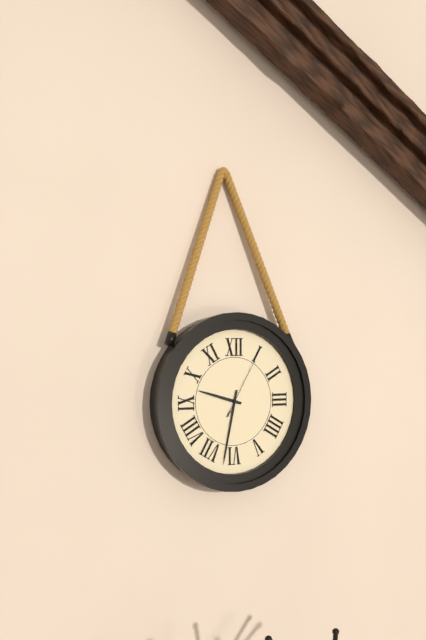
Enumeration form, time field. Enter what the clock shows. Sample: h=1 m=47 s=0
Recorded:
h=9 m=32 s=5
